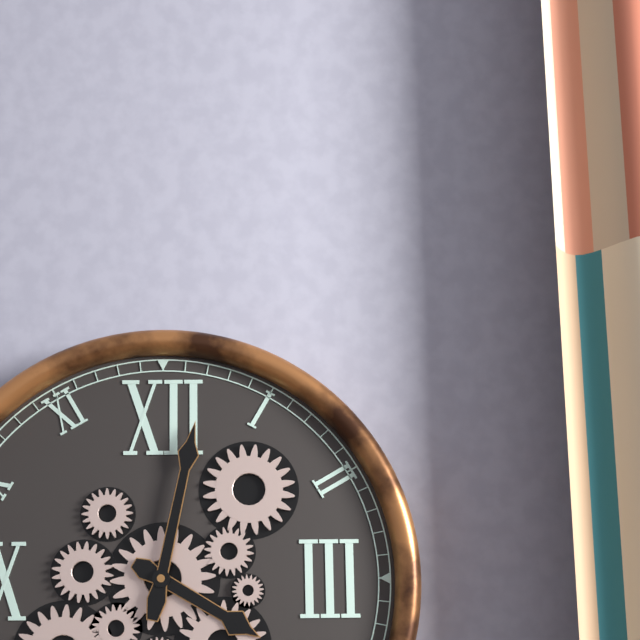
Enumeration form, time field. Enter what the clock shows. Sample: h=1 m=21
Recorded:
h=4 m=2
